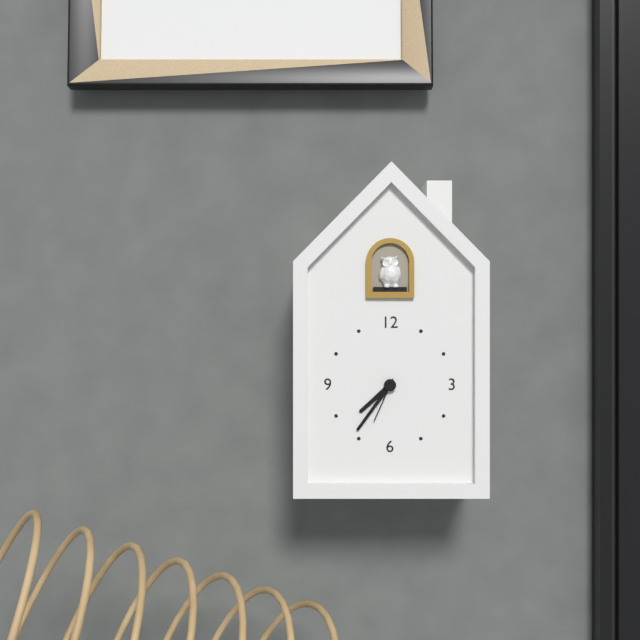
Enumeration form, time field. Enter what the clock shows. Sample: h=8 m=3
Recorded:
h=7 m=36
